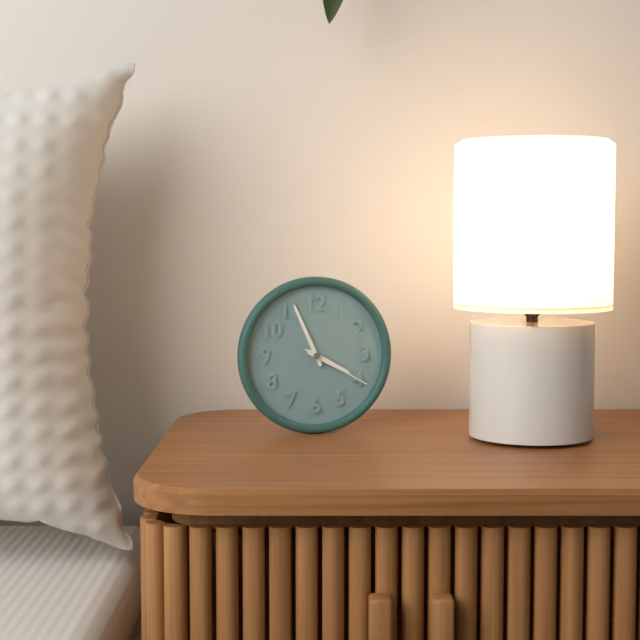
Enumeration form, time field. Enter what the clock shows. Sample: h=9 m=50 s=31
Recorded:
h=3 m=56 s=20
